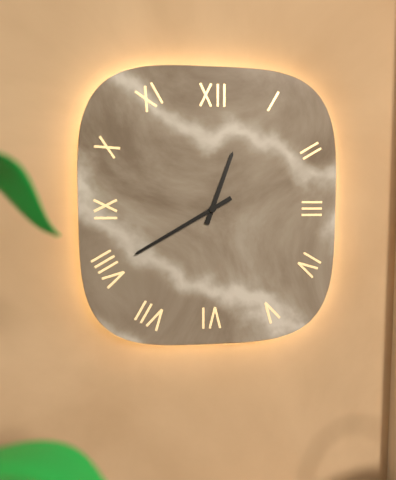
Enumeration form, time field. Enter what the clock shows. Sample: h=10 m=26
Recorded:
h=12 m=40
